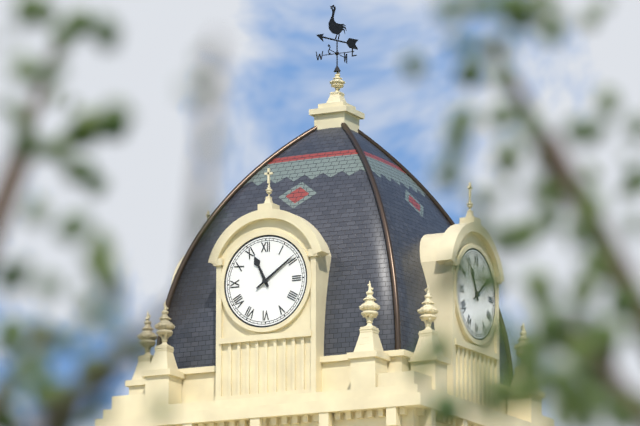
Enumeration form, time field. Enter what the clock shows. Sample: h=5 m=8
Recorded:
h=11 m=9
